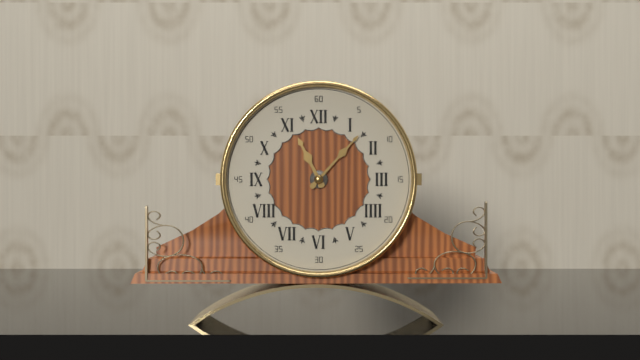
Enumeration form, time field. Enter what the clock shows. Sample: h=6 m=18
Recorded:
h=11 m=7
